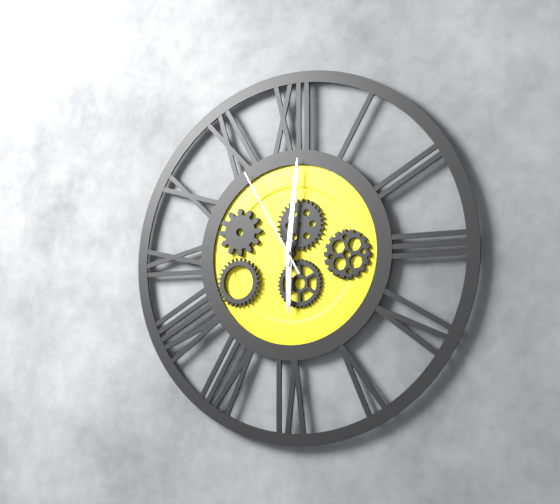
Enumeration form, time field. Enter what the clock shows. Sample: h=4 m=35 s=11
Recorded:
h=6 m=1 s=55
